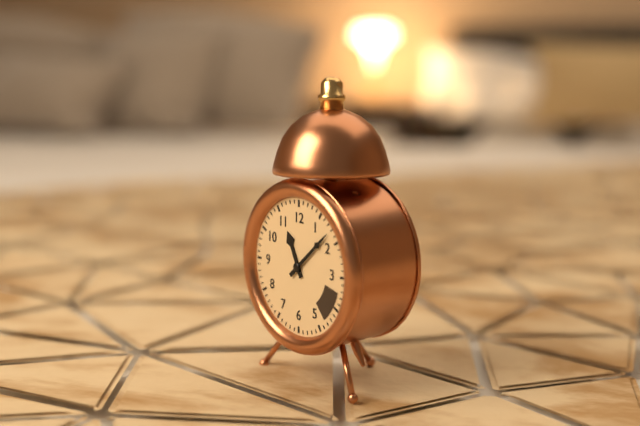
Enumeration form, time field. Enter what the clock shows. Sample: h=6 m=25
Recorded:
h=11 m=8
